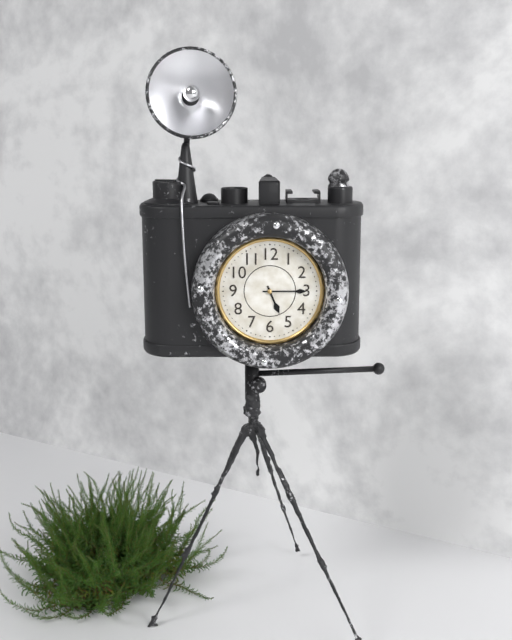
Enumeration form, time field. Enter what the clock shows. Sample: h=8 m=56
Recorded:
h=5 m=15
